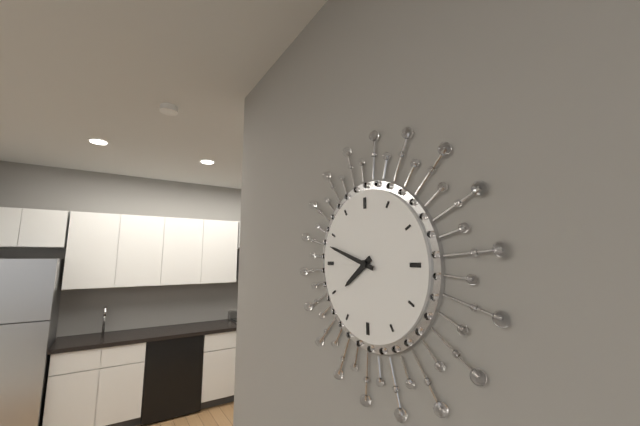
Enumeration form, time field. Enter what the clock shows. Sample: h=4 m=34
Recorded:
h=7 m=48
